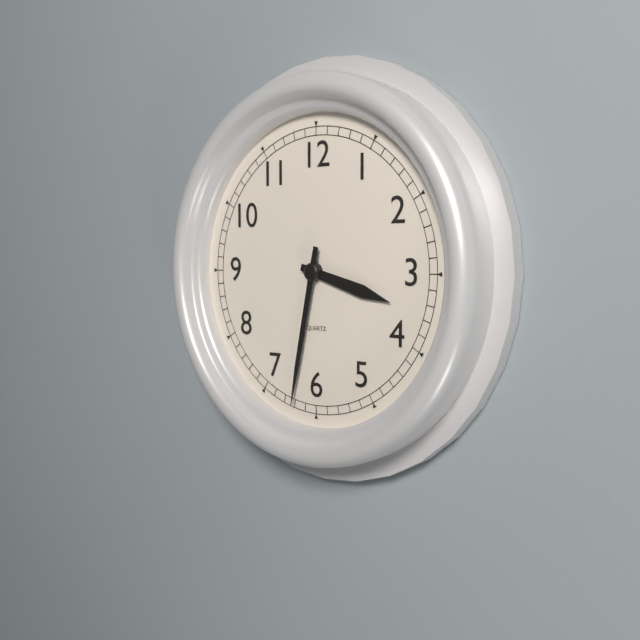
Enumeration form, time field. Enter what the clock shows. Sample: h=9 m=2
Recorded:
h=3 m=32
